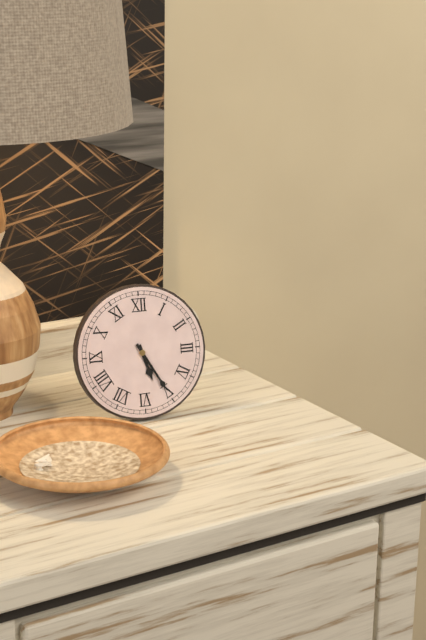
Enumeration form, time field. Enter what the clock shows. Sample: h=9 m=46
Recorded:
h=5 m=25
